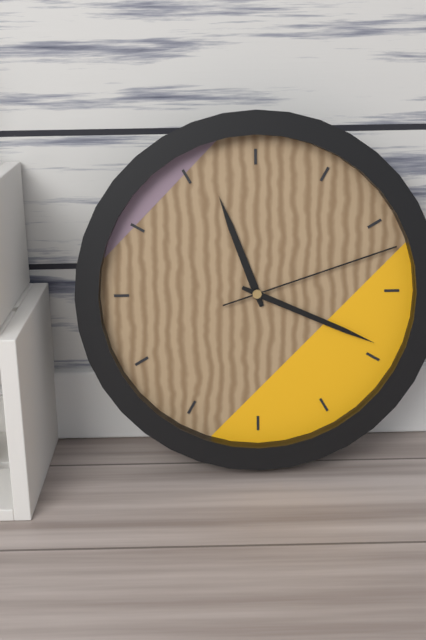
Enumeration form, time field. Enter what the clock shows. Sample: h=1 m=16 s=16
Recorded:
h=11 m=19 s=12
